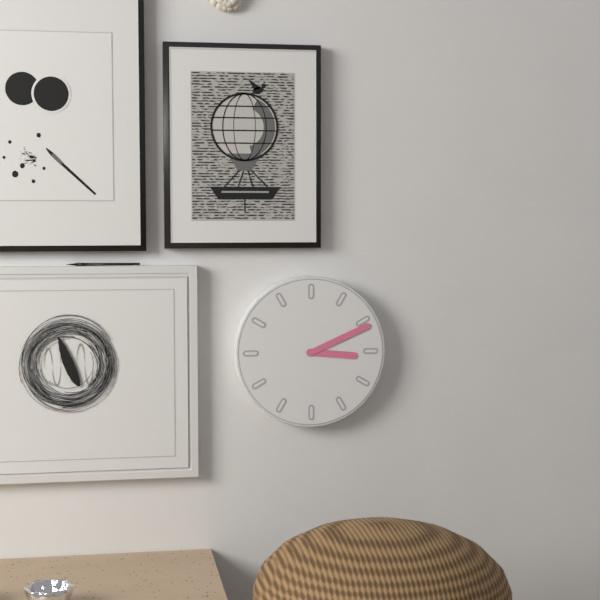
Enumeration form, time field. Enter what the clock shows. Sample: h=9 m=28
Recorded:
h=3 m=11
